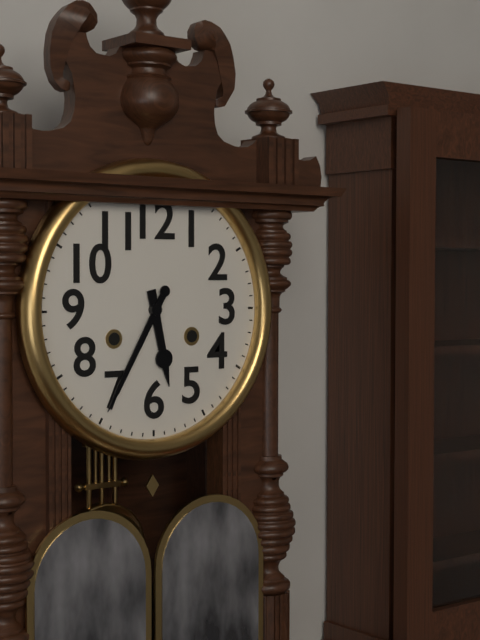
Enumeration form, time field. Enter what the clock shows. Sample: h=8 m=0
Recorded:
h=5 m=35
